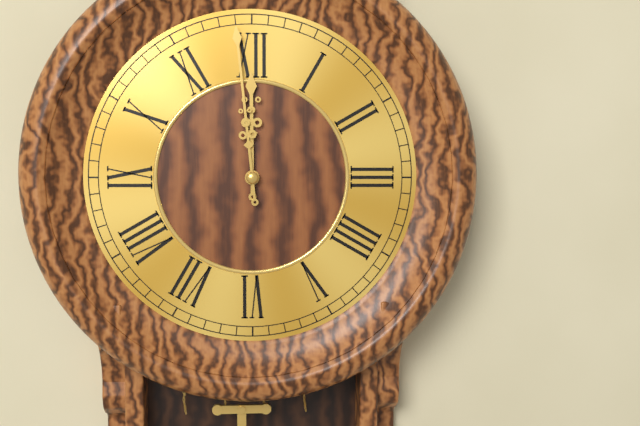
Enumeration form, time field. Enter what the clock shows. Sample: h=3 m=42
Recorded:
h=11 m=59
